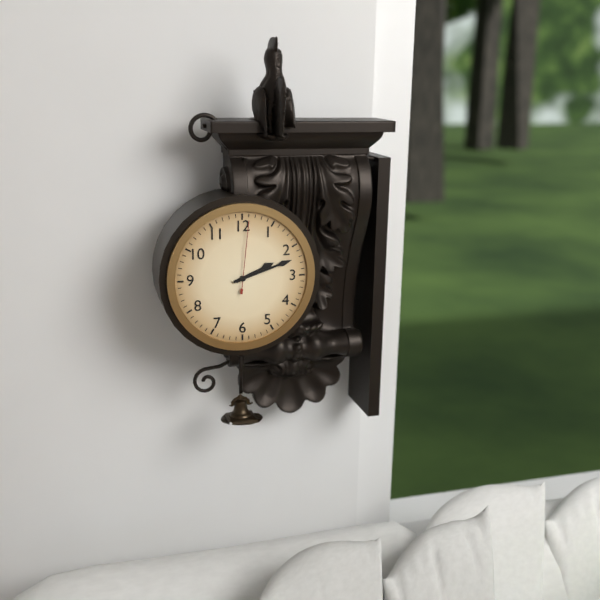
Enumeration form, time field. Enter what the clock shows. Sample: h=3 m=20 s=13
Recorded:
h=2 m=12 s=1
